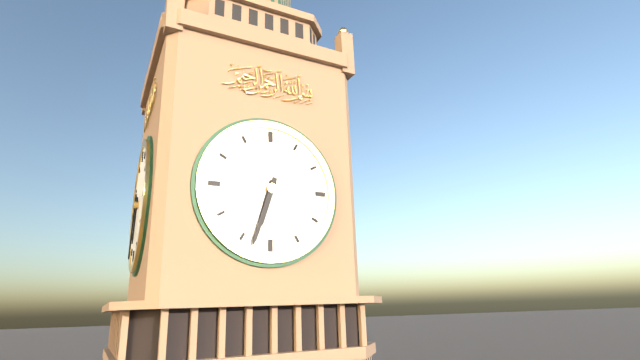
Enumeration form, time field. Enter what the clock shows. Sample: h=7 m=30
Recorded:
h=6 m=33
